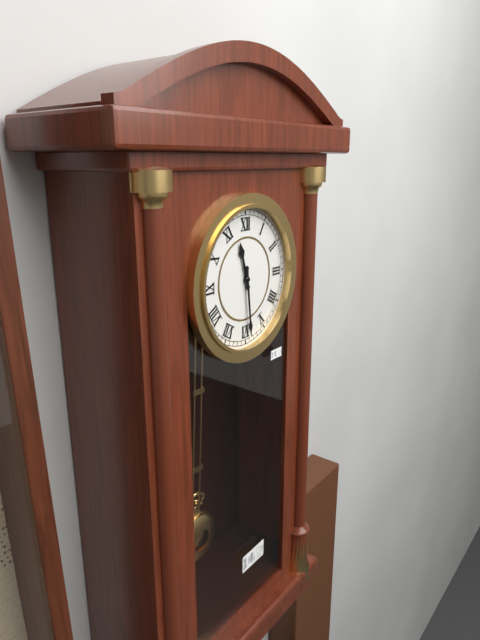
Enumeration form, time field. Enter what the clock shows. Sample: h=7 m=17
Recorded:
h=11 m=29
